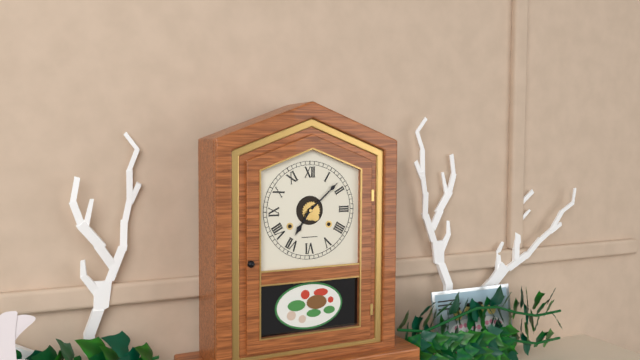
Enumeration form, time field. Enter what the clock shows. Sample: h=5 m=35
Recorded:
h=7 m=8
